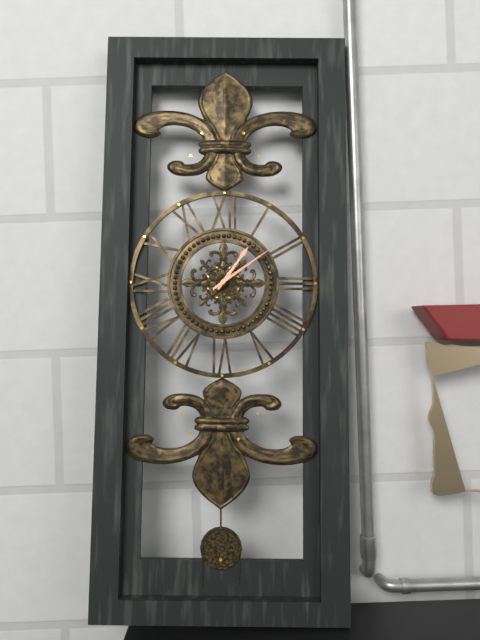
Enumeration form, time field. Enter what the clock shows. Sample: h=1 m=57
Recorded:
h=1 m=9
